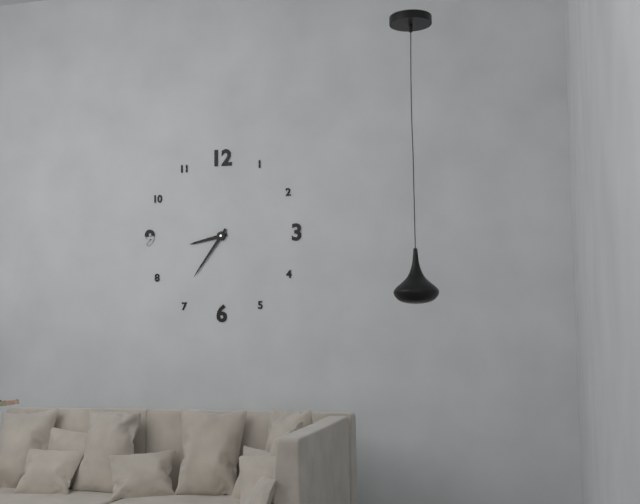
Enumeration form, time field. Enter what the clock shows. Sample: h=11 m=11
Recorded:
h=8 m=36
